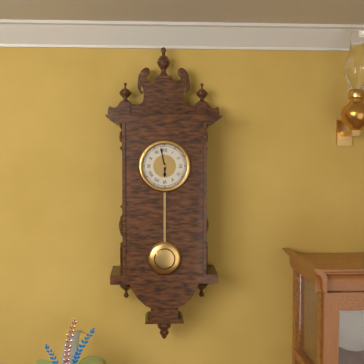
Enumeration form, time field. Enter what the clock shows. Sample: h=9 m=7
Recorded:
h=5 m=58
